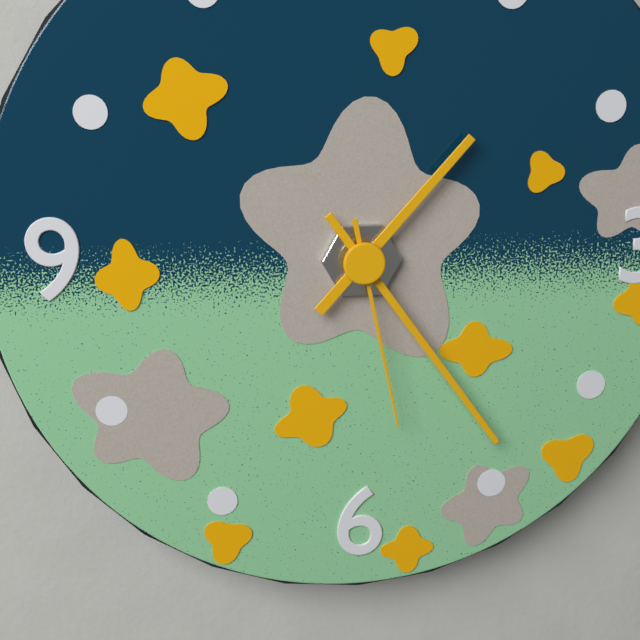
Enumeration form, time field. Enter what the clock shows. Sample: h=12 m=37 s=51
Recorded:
h=1 m=24 s=28
